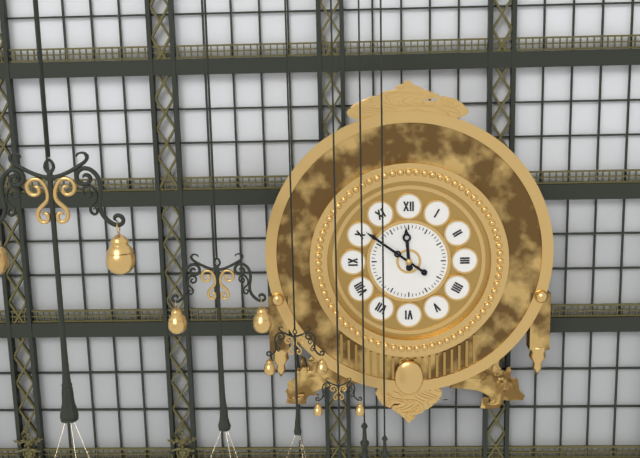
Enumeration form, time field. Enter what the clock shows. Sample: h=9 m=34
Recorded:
h=11 m=51
